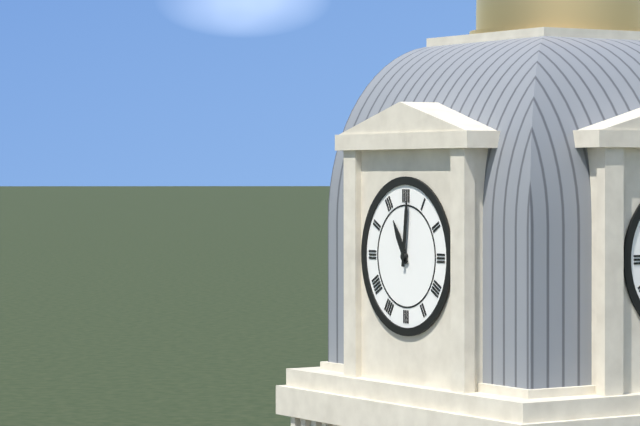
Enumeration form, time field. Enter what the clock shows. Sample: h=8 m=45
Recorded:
h=11 m=1
